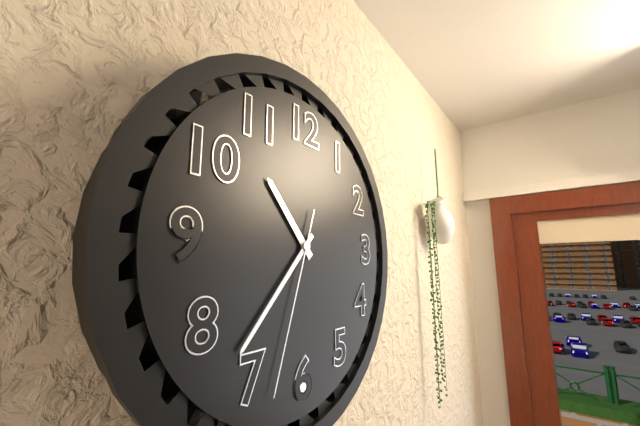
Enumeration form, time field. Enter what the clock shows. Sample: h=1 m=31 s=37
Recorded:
h=10 m=37 s=33
